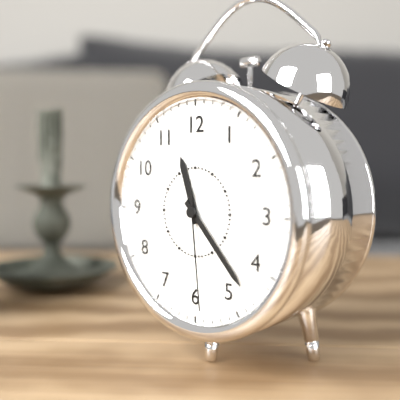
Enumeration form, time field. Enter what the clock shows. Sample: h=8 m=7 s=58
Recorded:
h=11 m=23 s=29
